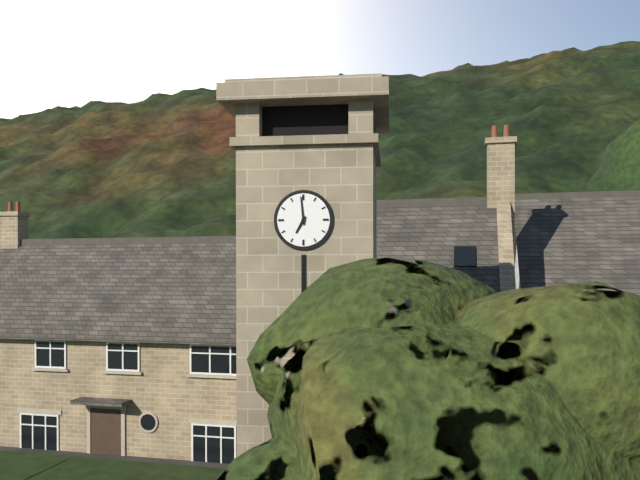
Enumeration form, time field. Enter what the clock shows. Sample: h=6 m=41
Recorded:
h=6 m=59
